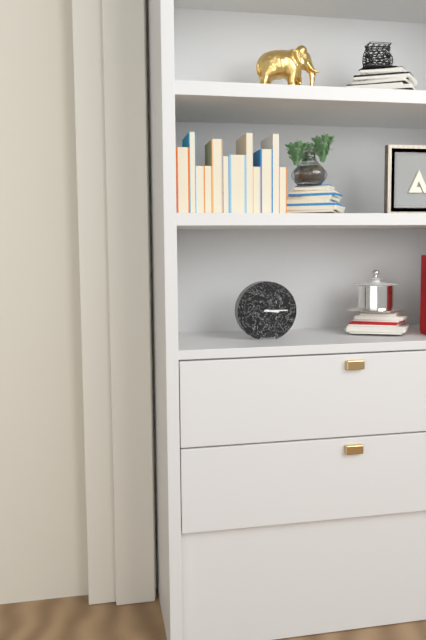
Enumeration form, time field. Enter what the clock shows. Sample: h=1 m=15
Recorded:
h=3 m=15
